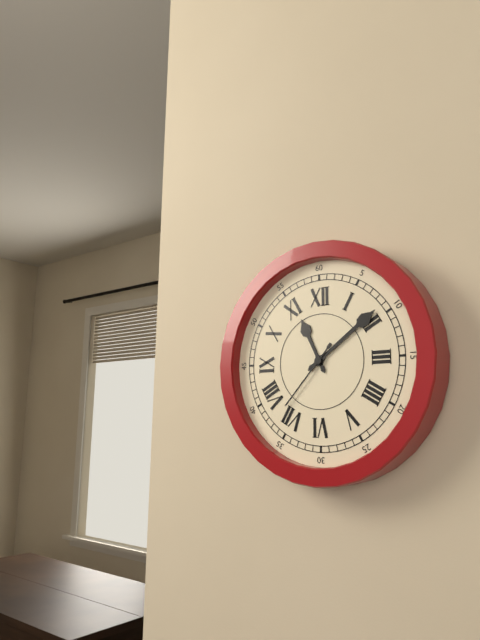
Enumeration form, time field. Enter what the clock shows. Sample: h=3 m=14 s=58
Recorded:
h=11 m=9 s=37
